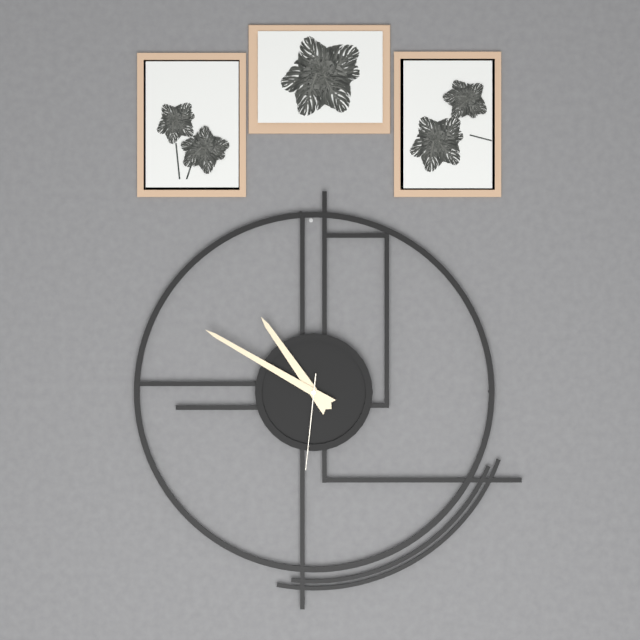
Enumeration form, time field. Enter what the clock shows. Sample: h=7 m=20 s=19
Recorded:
h=10 m=50 s=31
